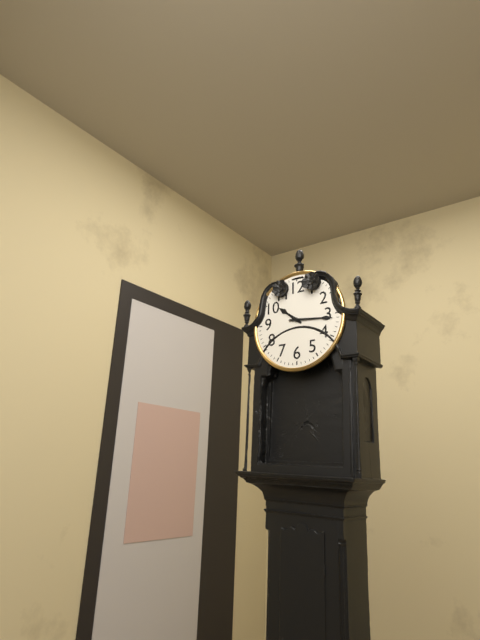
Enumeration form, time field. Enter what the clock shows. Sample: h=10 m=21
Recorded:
h=10 m=16
